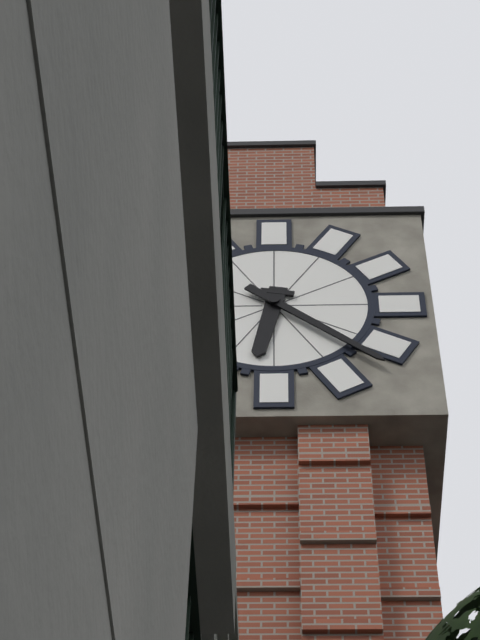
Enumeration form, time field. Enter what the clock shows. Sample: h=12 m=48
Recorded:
h=6 m=22
